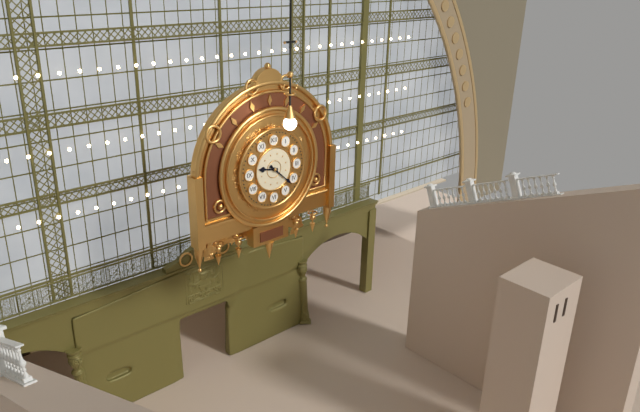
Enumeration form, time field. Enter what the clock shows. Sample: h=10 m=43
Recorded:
h=9 m=22
